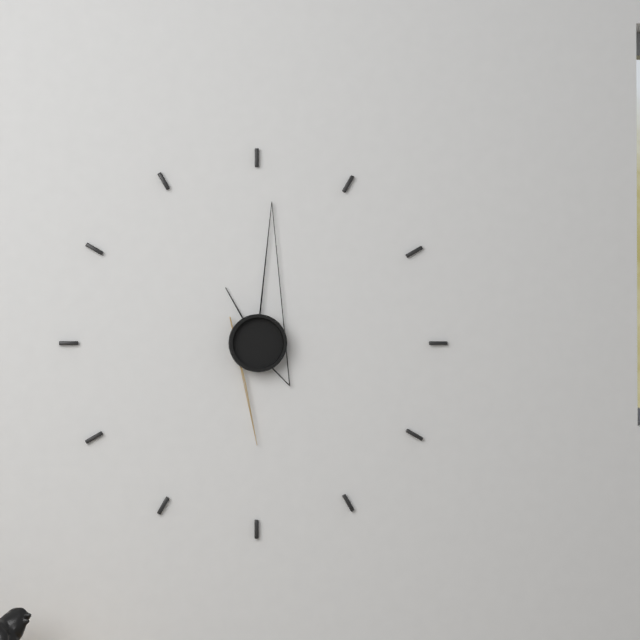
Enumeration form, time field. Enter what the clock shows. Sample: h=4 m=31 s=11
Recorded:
h=11 m=1 s=30
